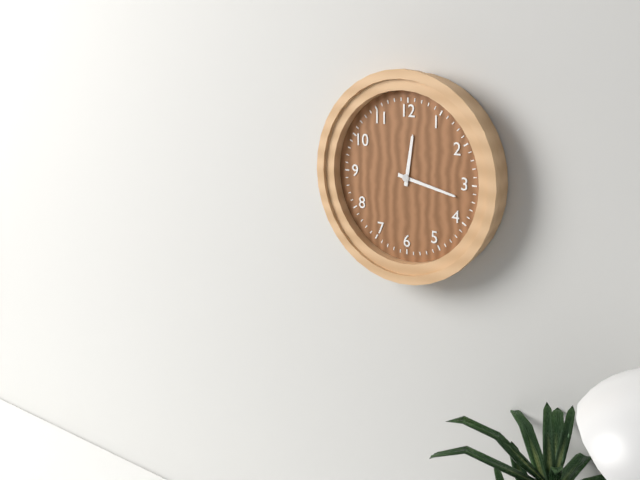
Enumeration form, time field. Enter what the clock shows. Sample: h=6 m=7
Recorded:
h=12 m=17
